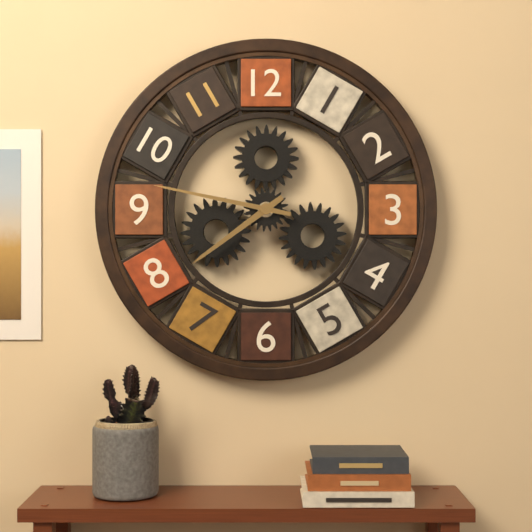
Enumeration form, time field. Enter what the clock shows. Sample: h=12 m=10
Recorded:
h=7 m=47
